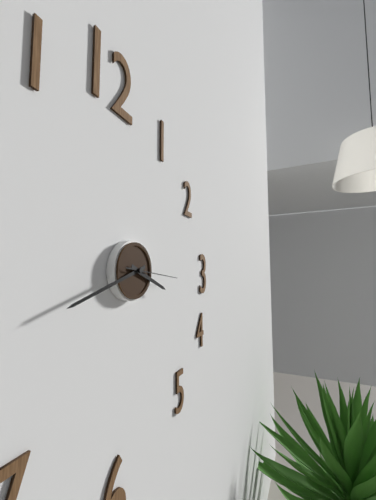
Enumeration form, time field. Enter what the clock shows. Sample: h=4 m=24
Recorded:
h=3 m=42
